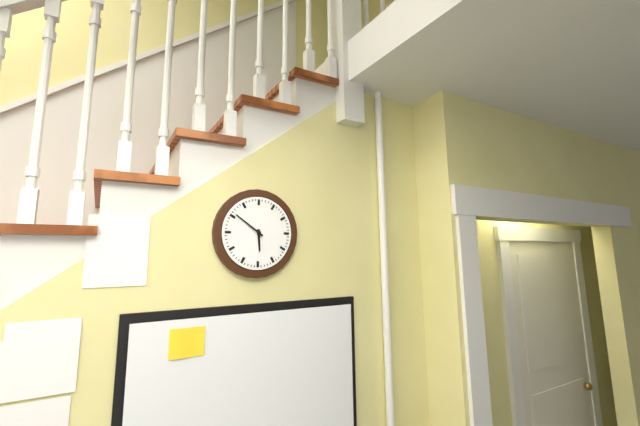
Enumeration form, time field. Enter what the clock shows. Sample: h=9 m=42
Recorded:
h=5 m=51
